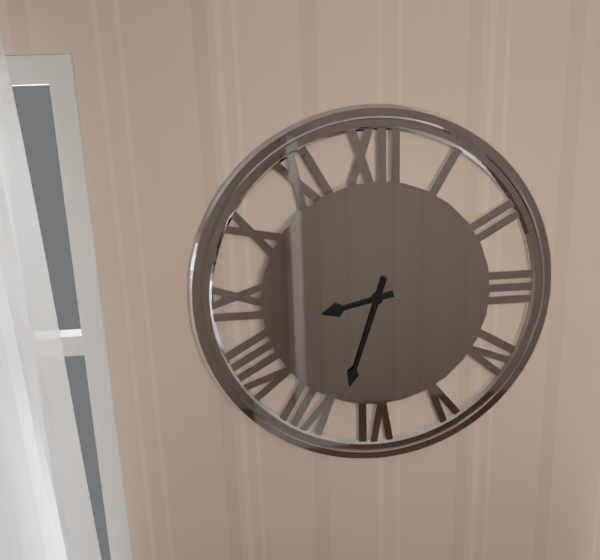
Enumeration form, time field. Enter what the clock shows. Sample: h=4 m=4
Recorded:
h=8 m=33
